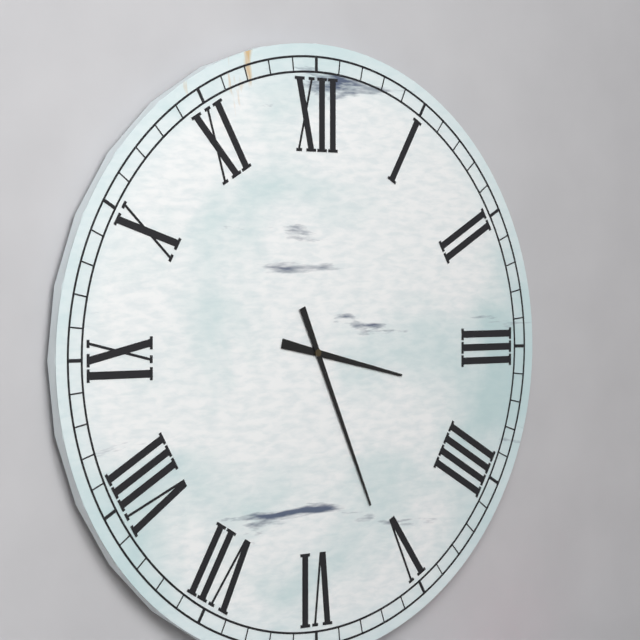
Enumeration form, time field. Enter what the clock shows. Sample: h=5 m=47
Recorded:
h=3 m=26
